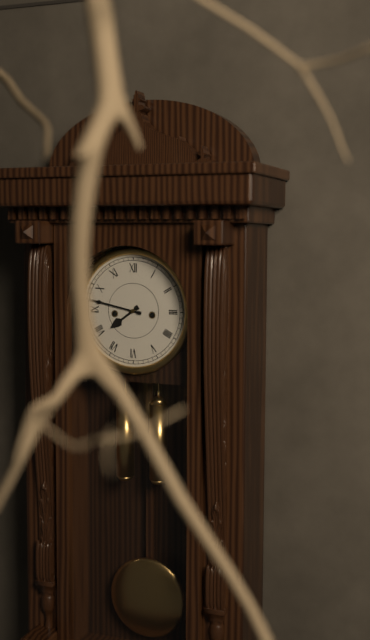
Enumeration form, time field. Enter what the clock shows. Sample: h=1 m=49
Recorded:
h=7 m=47
